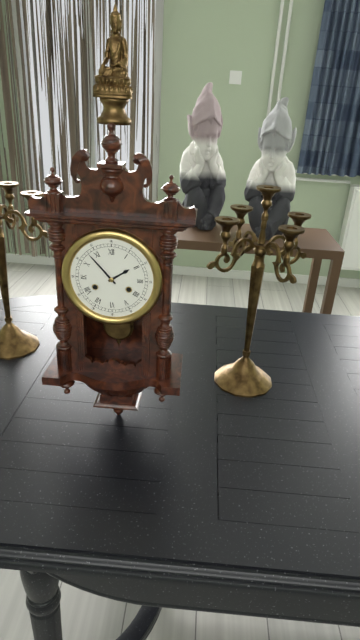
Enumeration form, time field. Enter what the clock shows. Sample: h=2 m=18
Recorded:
h=1 m=53
